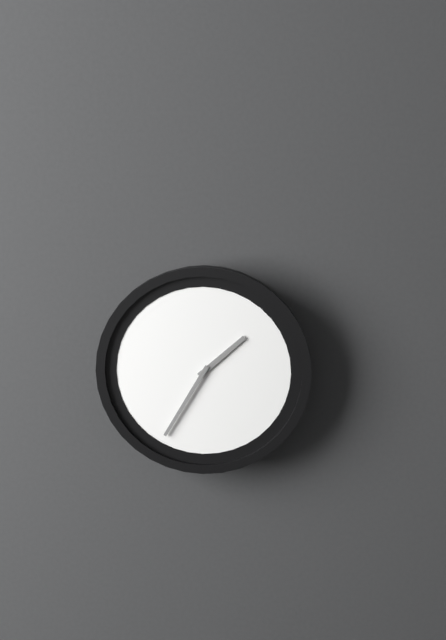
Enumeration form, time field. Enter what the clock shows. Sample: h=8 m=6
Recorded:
h=1 m=35
